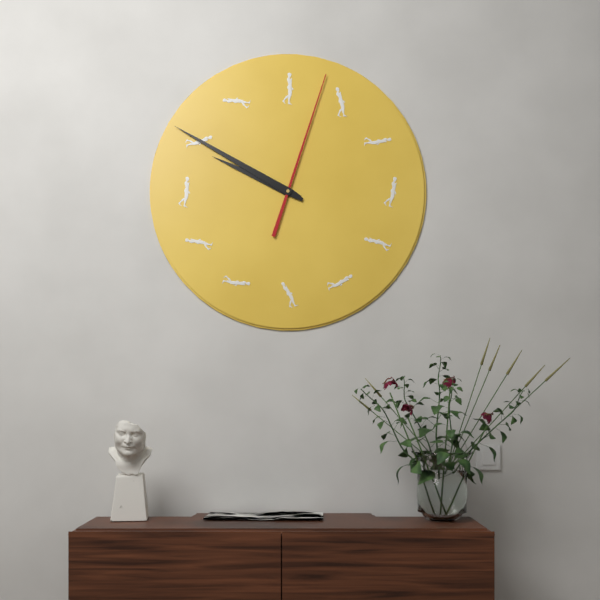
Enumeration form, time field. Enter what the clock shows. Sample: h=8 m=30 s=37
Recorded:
h=9 m=50 s=3
